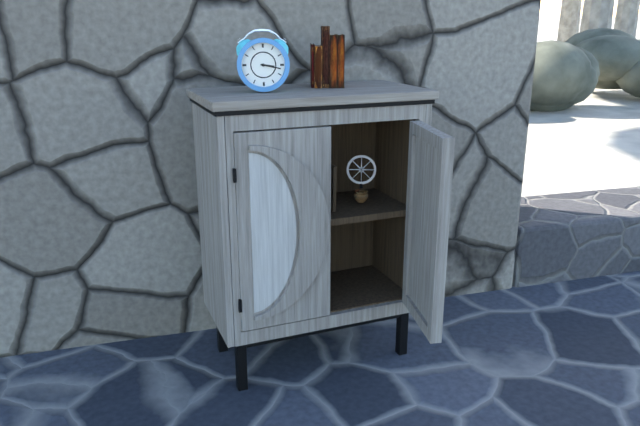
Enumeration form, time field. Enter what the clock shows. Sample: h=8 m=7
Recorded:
h=3 m=17
